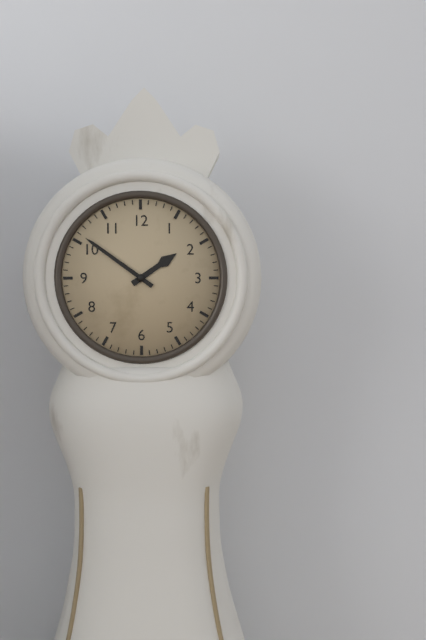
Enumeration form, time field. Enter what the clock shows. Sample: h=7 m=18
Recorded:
h=1 m=51
